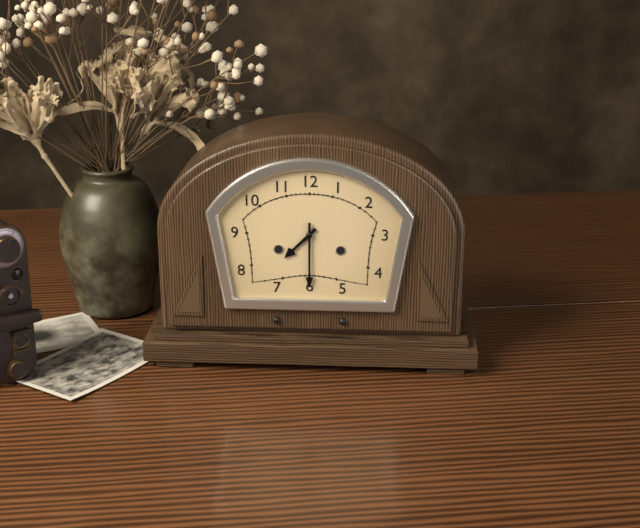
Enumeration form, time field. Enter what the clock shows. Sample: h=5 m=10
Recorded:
h=7 m=30
